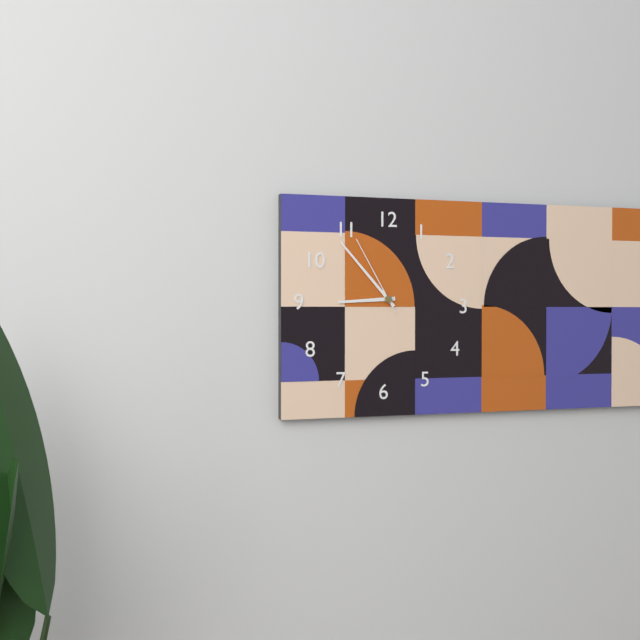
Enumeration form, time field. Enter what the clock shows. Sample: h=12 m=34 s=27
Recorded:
h=8 m=53 s=55
